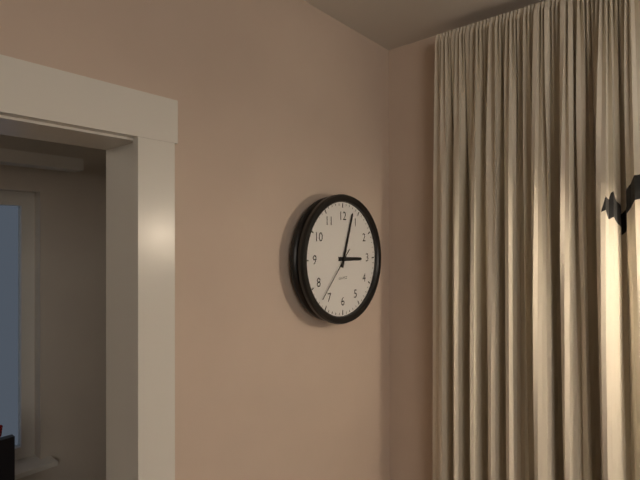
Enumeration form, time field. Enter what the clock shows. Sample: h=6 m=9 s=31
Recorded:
h=3 m=3 s=37
